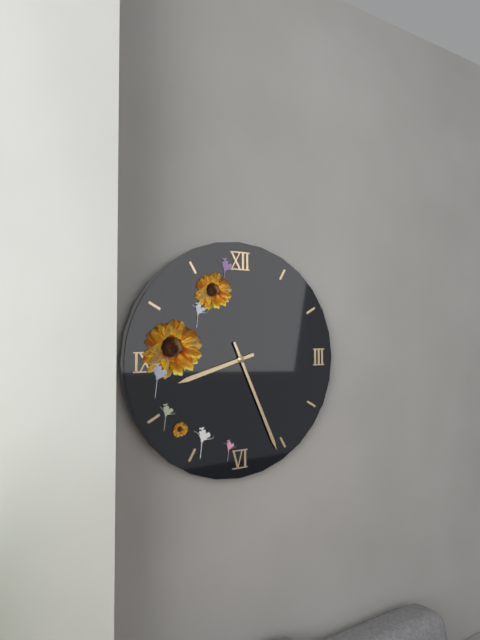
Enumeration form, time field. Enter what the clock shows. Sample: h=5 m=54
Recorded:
h=8 m=26
